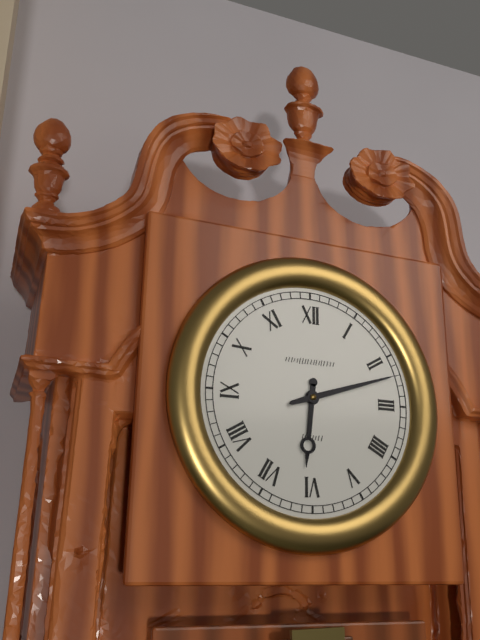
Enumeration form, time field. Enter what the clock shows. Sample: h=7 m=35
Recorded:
h=6 m=12
